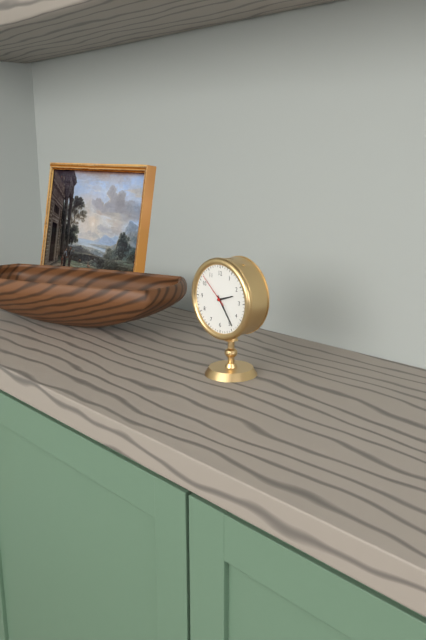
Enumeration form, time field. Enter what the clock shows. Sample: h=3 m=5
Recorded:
h=2 m=24
